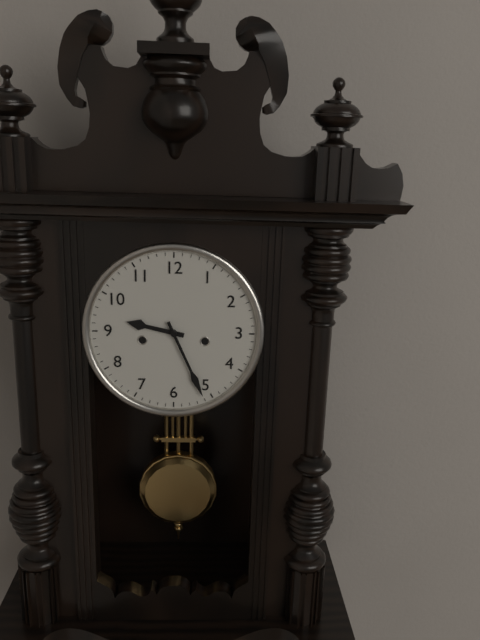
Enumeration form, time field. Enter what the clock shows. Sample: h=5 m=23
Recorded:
h=9 m=26
